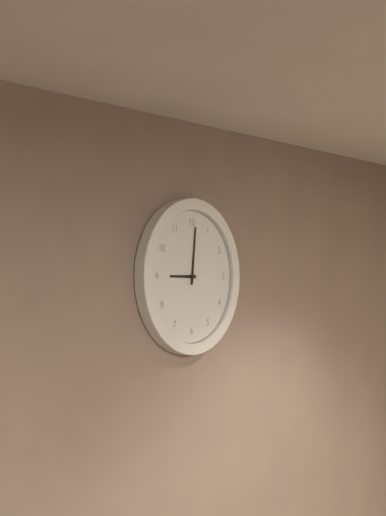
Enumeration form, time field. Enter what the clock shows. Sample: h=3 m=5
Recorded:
h=9 m=1
